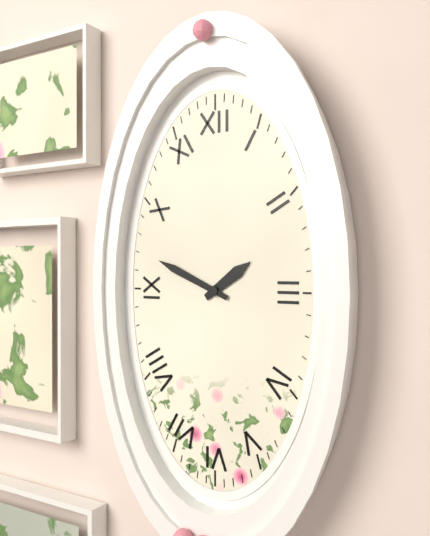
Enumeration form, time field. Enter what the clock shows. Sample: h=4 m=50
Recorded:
h=1 m=49
